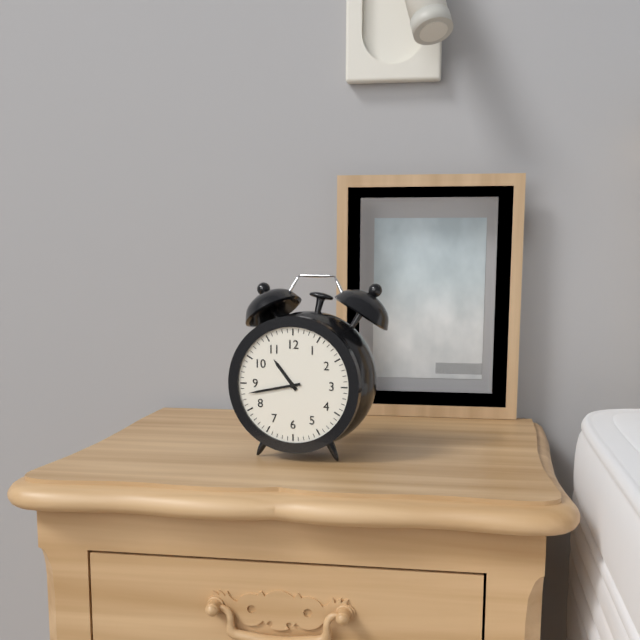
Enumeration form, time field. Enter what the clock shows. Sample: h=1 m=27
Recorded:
h=10 m=43
